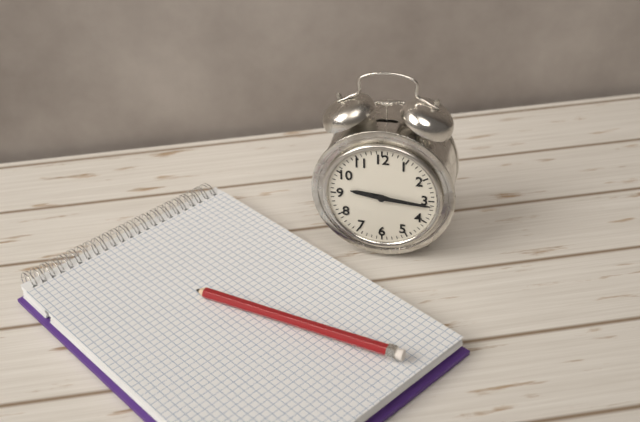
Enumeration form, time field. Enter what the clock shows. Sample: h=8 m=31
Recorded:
h=9 m=16
